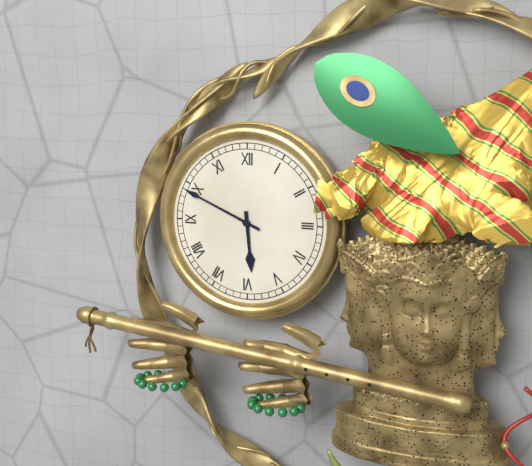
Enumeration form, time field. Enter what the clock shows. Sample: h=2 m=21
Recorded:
h=5 m=49
